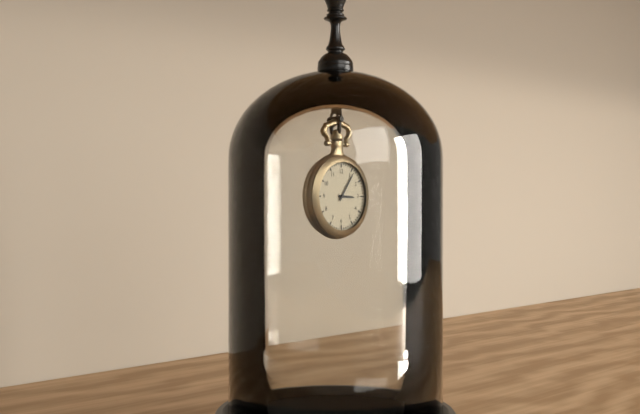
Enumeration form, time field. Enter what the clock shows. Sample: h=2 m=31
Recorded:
h=3 m=6
